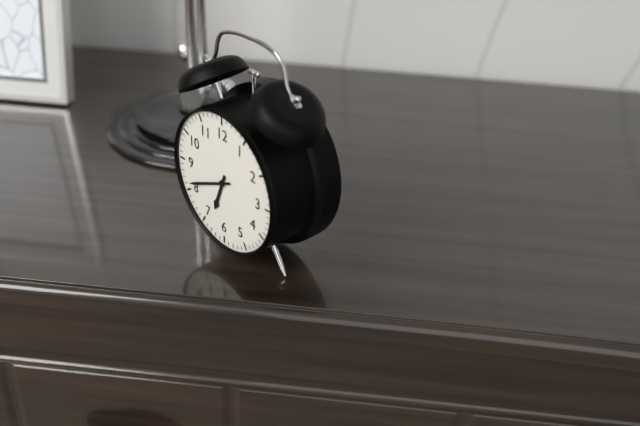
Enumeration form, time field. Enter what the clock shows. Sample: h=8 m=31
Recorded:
h=6 m=41
